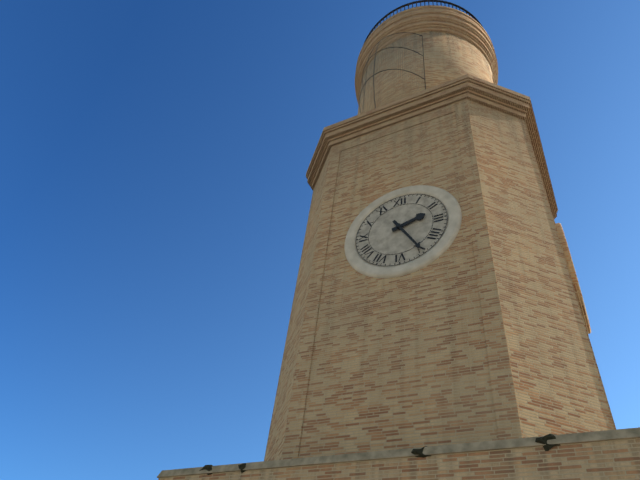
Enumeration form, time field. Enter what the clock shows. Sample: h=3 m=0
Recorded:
h=2 m=25
